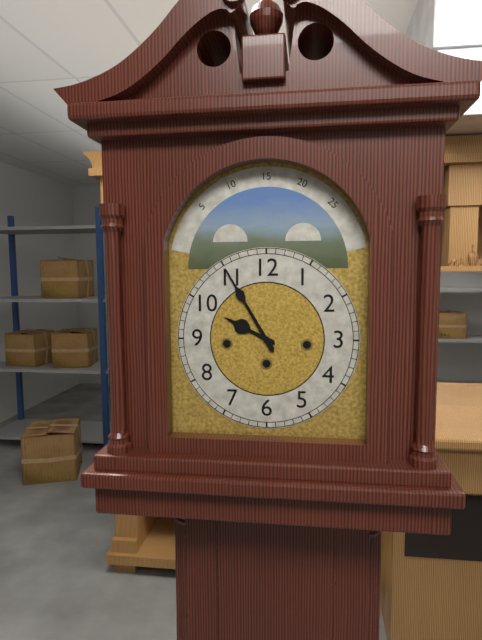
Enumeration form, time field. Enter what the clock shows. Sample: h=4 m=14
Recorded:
h=9 m=55
